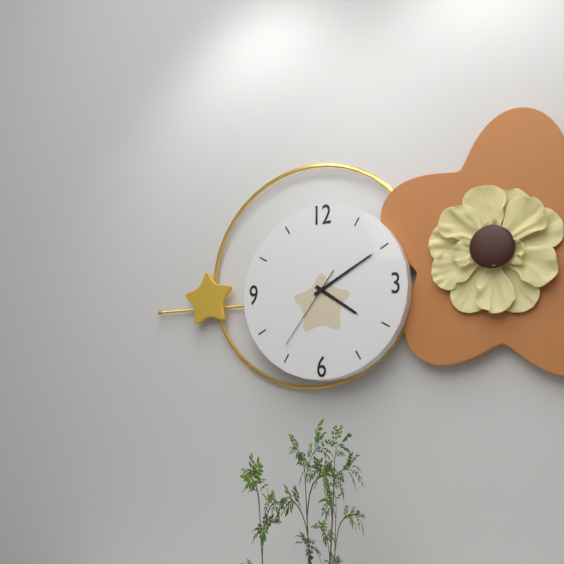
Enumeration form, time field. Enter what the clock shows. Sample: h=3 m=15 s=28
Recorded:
h=4 m=10 s=36
